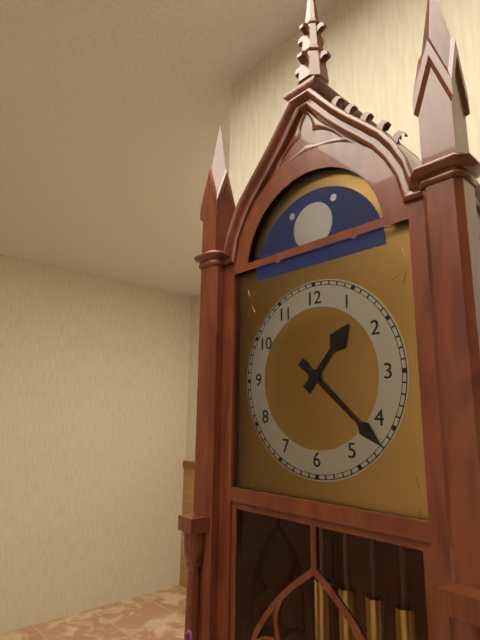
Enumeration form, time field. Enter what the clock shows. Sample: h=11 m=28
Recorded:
h=1 m=22
